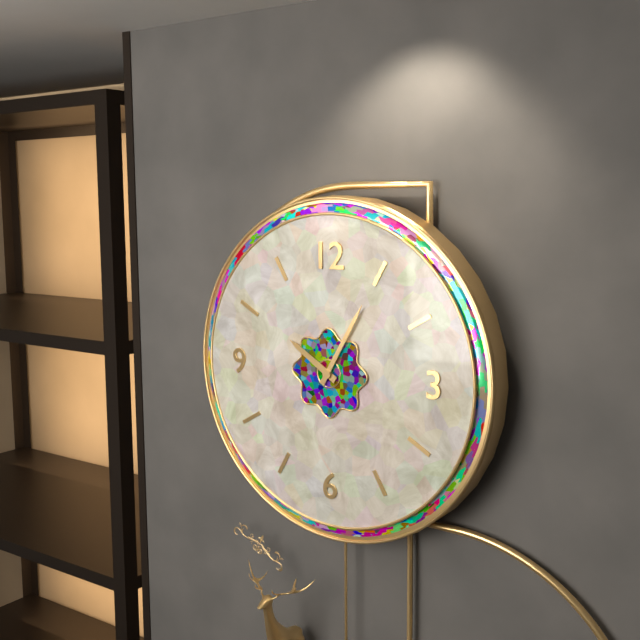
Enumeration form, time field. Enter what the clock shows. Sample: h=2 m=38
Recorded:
h=10 m=5
